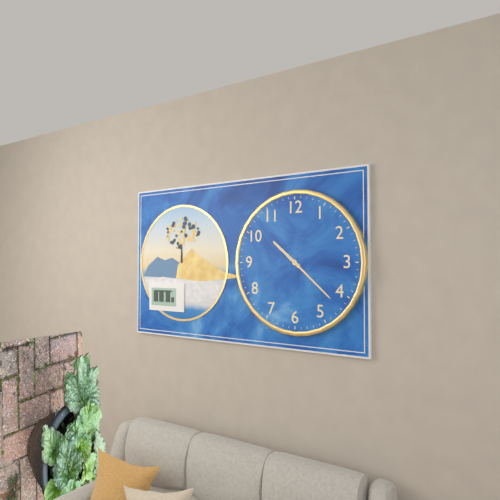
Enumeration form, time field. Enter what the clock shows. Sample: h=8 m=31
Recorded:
h=10 m=22
